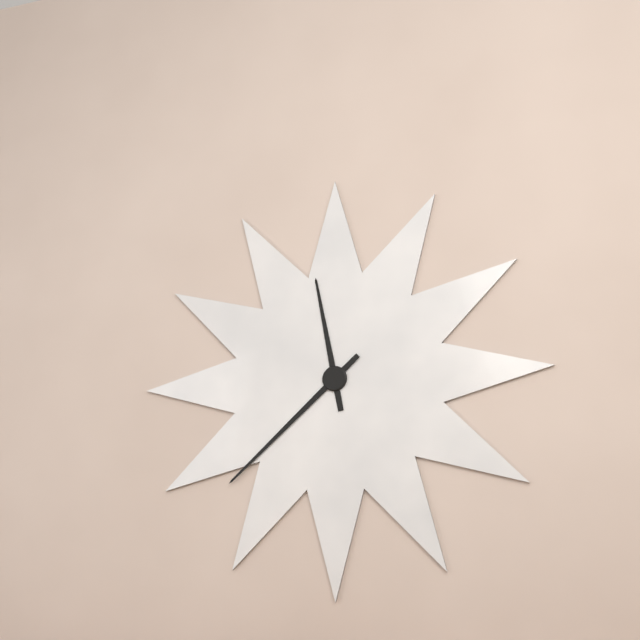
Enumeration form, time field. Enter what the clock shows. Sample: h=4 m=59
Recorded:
h=11 m=38
